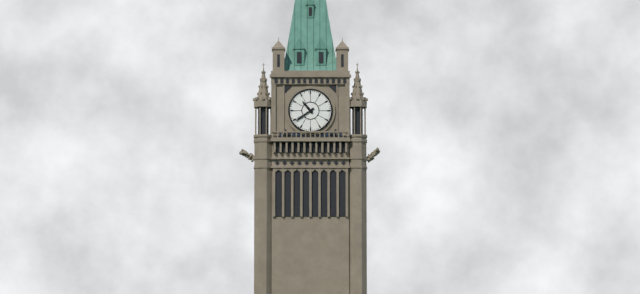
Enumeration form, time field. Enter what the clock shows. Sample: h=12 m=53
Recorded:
h=10 m=39
